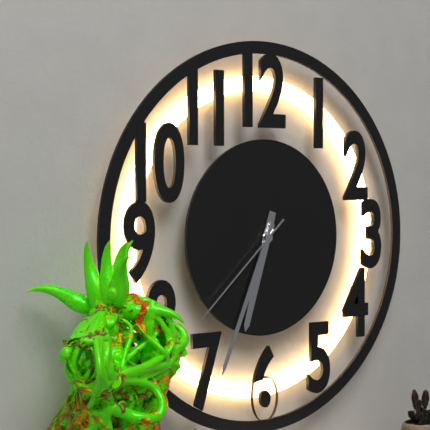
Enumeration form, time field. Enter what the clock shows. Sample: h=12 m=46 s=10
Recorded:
h=6 m=34 s=38
